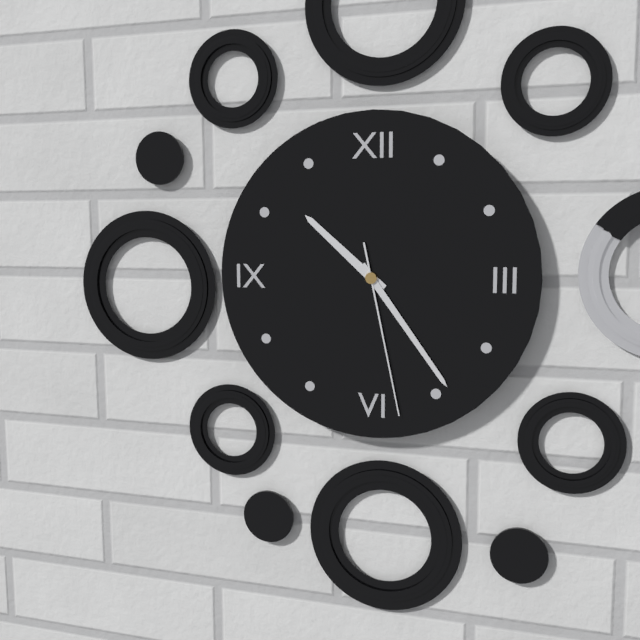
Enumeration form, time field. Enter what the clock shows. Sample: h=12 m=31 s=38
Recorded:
h=10 m=24 s=28
